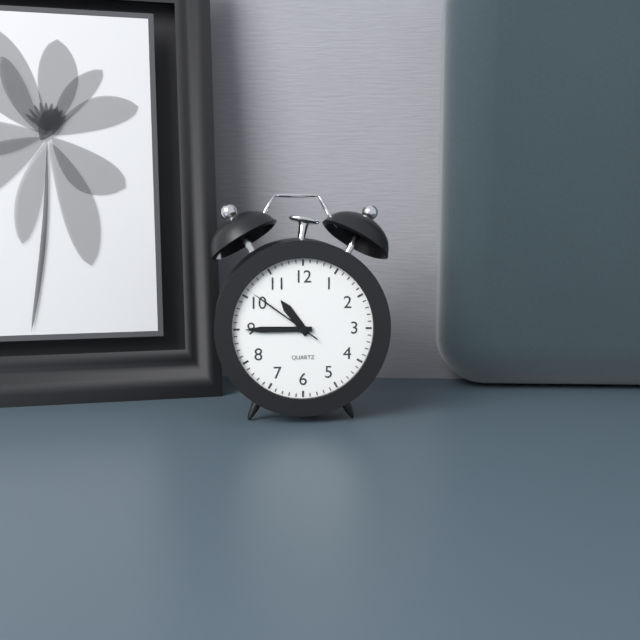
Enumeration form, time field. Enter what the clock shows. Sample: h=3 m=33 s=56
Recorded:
h=10 m=45 s=51
